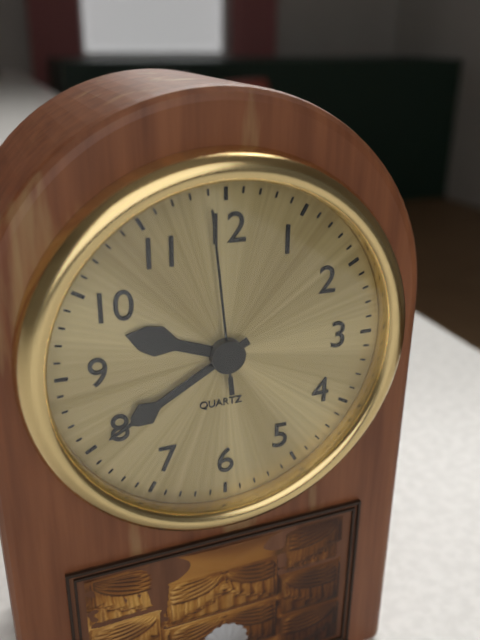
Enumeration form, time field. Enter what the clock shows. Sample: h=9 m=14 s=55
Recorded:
h=9 m=40 s=59
